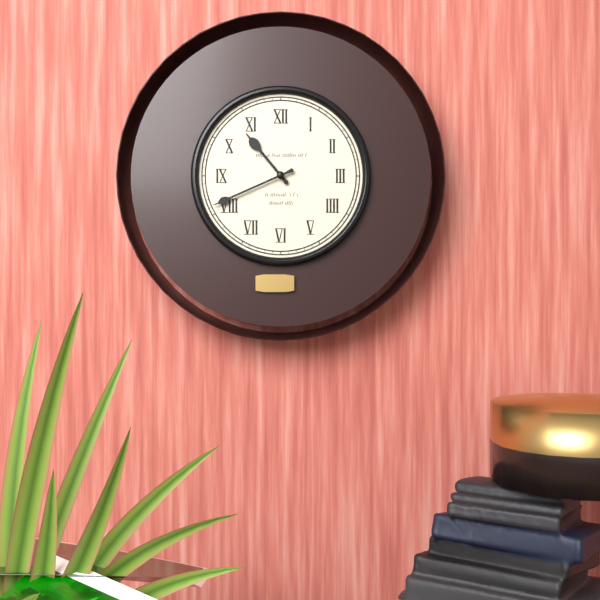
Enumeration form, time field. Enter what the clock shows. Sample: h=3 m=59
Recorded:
h=10 m=41
